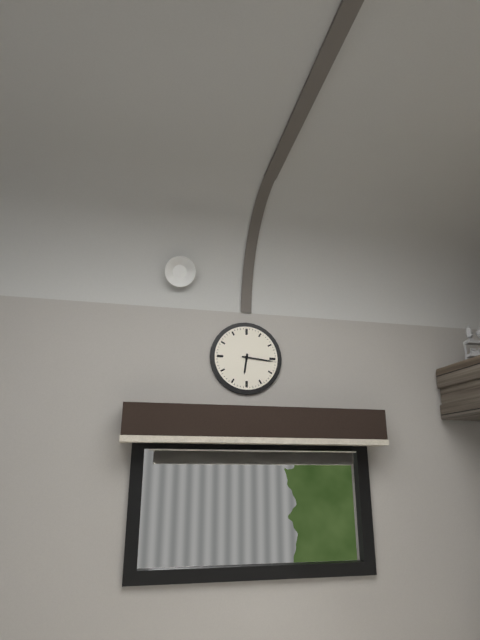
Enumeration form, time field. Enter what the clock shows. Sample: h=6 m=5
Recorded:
h=6 m=16
